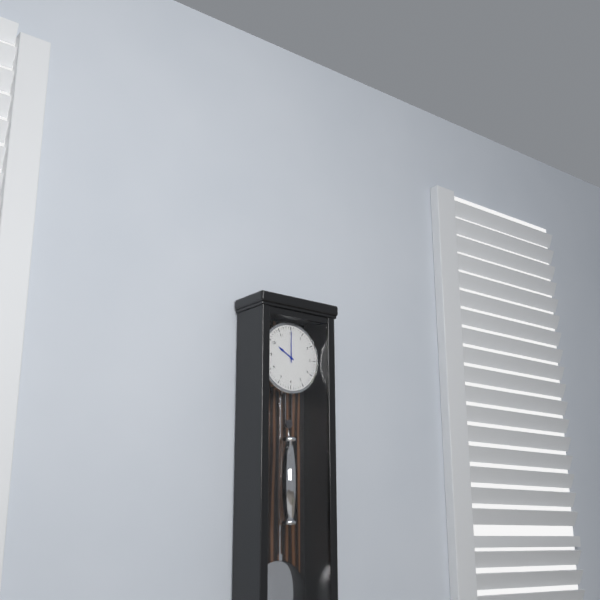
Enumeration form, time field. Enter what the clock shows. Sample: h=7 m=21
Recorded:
h=10 m=0
